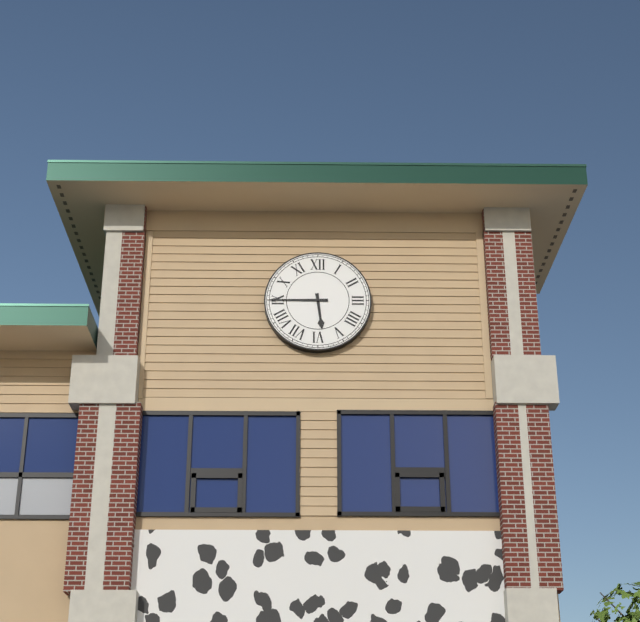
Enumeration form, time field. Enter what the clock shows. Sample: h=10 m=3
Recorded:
h=5 m=45
